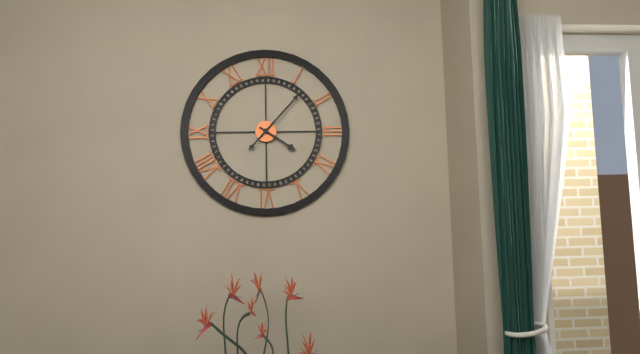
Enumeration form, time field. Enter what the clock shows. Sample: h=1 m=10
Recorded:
h=4 m=7
